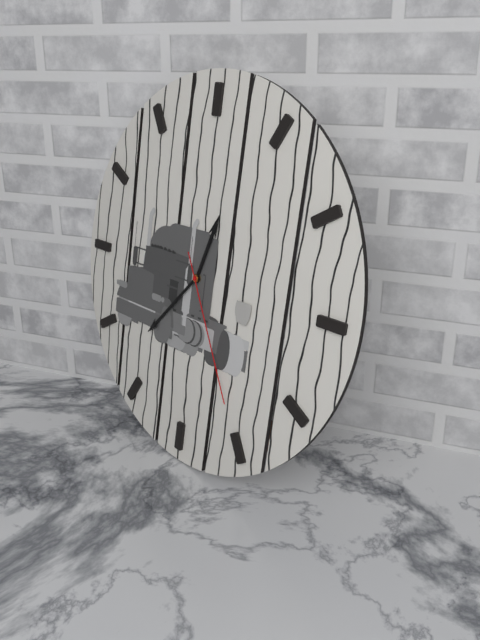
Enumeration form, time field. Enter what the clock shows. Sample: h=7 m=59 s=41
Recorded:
h=12 m=37 s=25
